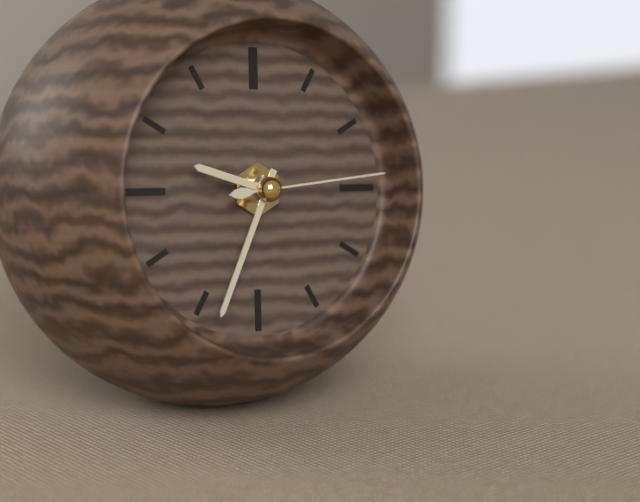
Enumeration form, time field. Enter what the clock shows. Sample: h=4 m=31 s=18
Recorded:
h=9 m=34 s=14
